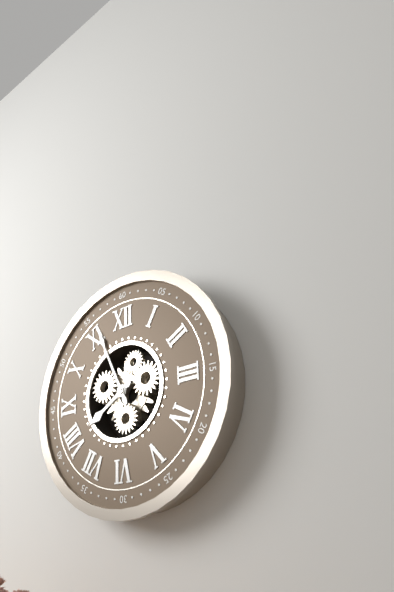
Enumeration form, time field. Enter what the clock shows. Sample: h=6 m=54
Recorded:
h=7 m=56
